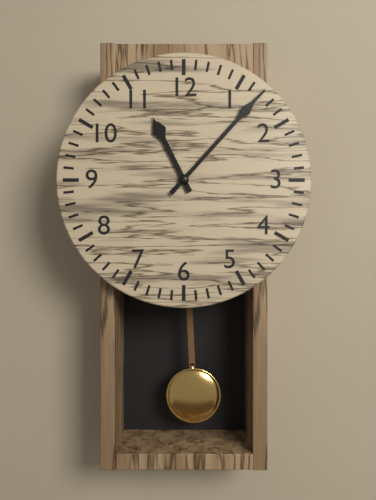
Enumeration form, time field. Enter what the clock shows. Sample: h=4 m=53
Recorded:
h=11 m=7
